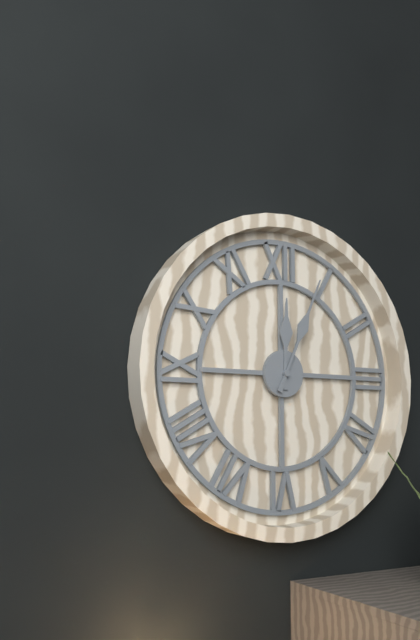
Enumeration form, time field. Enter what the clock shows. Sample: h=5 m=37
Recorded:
h=12 m=4
